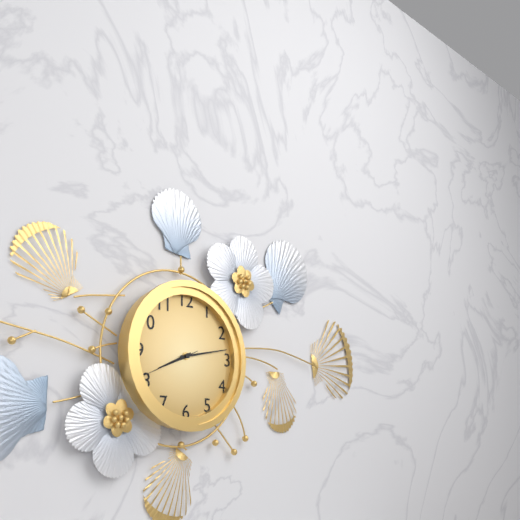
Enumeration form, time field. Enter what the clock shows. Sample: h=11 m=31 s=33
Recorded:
h=8 m=13 s=41
